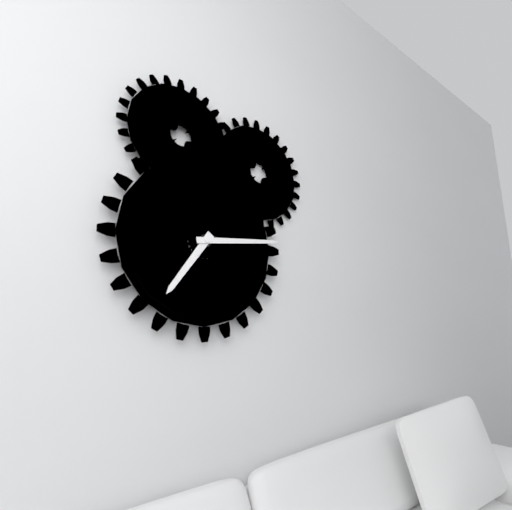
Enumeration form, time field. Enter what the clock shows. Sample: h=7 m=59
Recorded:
h=7 m=14
